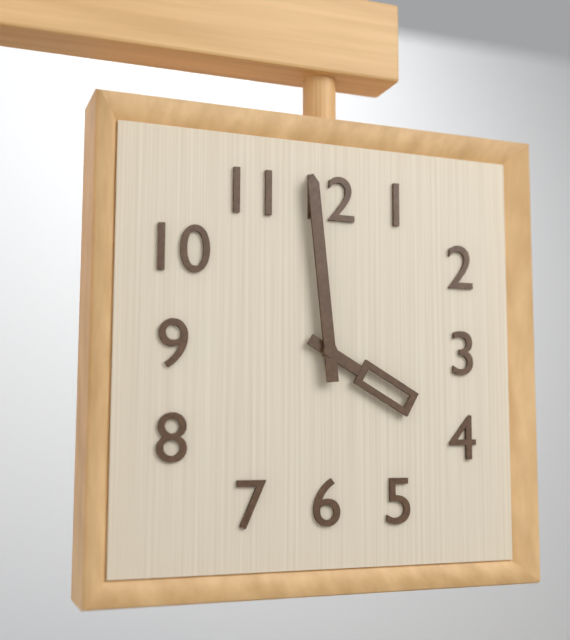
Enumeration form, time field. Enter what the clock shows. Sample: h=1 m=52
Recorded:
h=3 m=59
